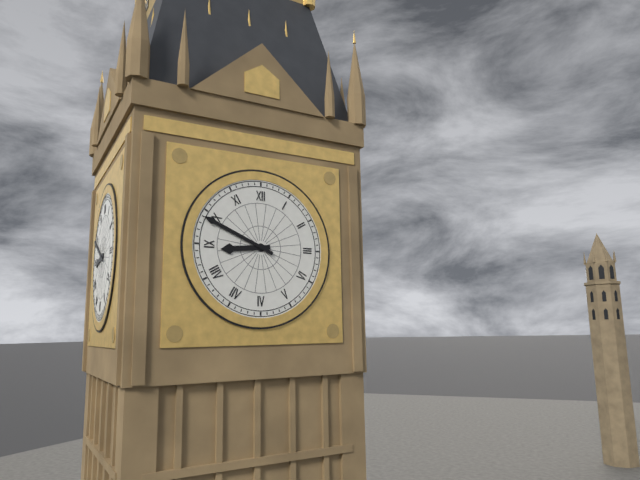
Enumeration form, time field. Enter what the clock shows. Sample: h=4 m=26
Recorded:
h=8 m=49
